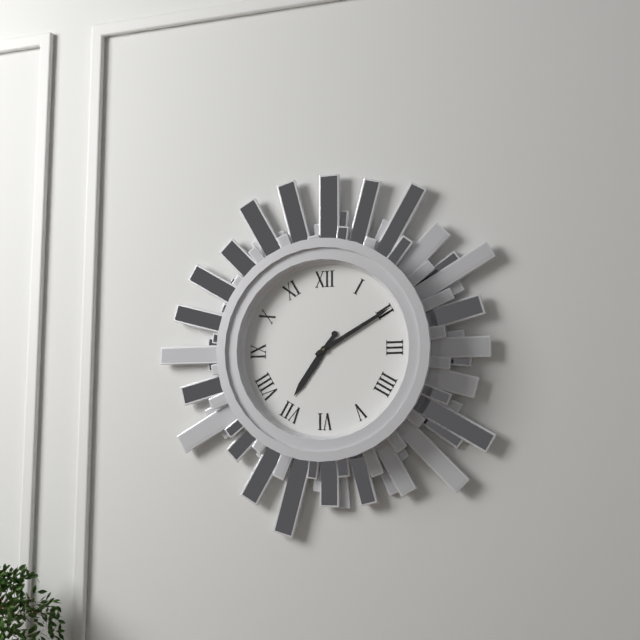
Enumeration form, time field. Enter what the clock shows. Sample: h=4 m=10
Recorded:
h=7 m=10
